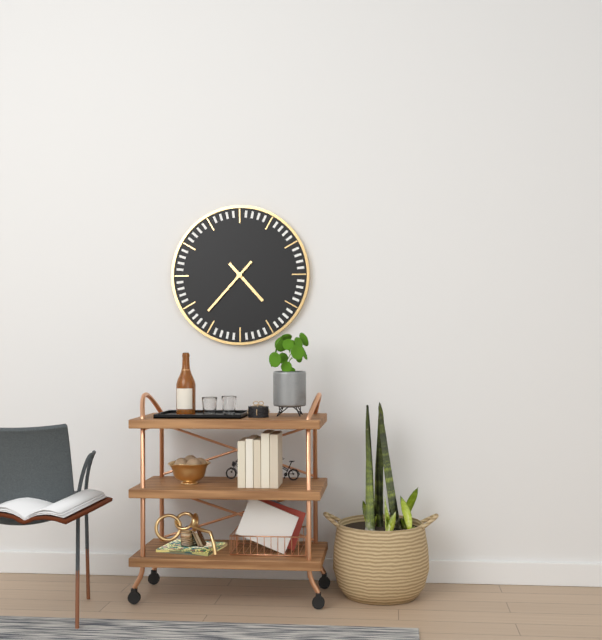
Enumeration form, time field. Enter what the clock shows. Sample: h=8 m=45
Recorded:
h=4 m=37
